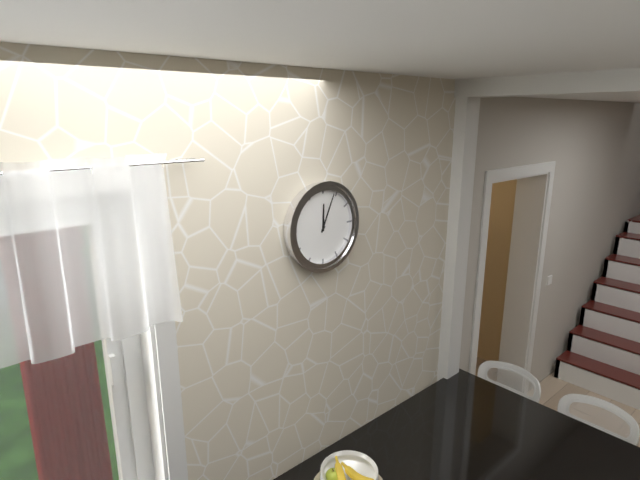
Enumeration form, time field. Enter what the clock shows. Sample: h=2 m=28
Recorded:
h=12 m=4
